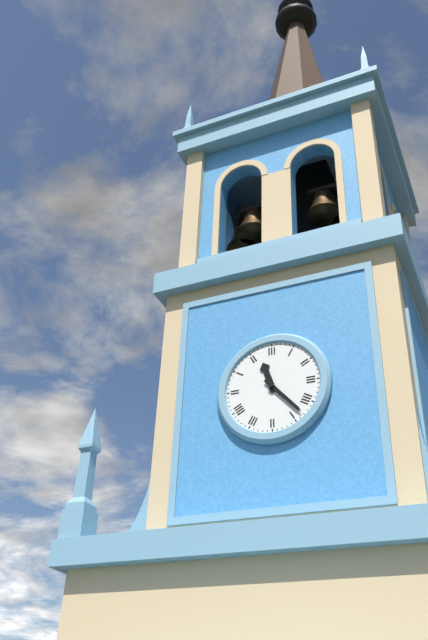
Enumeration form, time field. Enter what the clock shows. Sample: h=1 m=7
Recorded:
h=11 m=23
